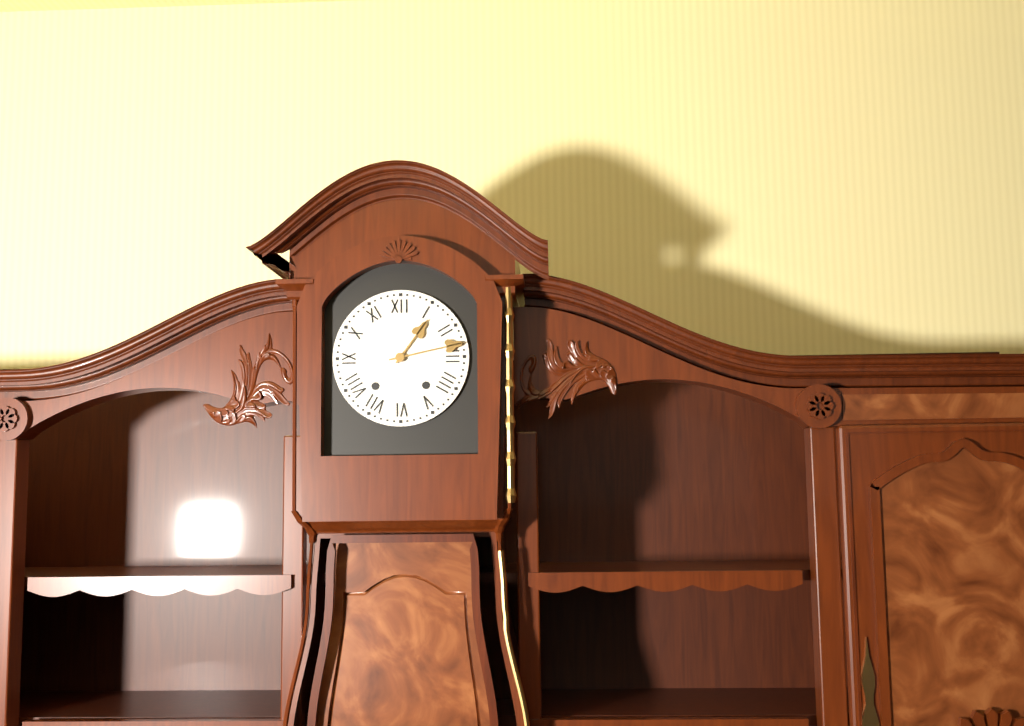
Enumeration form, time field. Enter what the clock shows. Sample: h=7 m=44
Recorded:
h=1 m=13
